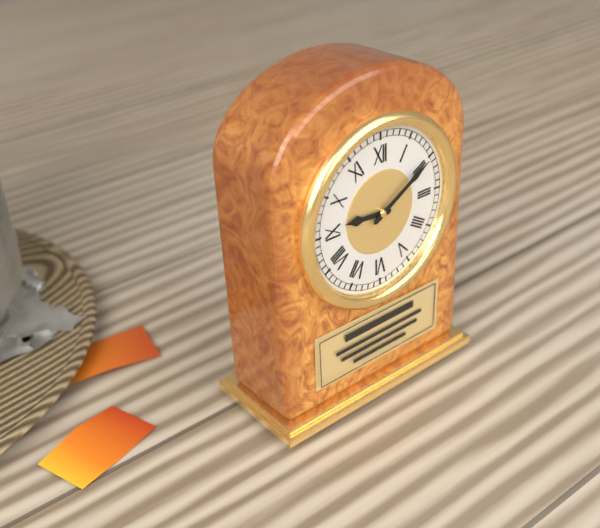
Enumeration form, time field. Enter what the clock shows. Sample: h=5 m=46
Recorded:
h=9 m=10
